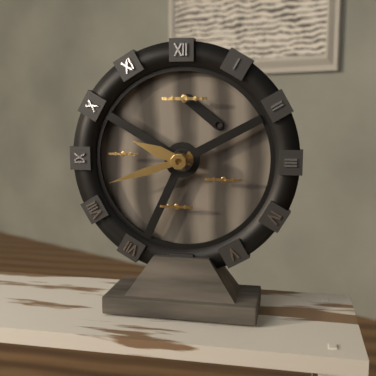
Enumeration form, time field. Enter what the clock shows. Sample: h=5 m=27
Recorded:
h=9 m=42
